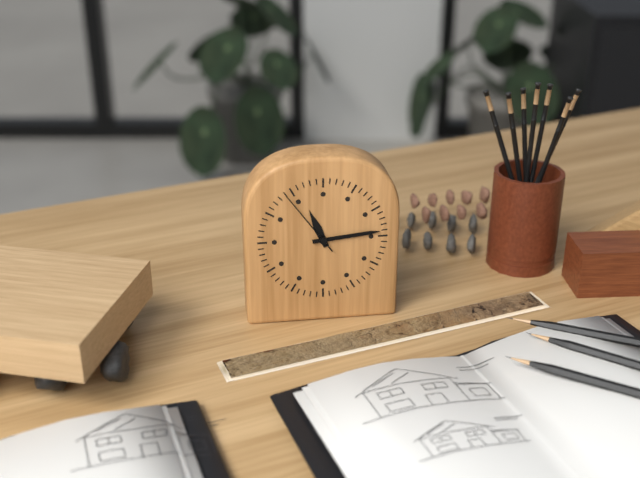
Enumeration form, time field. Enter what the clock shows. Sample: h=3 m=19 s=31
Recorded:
h=11 m=14 s=54
